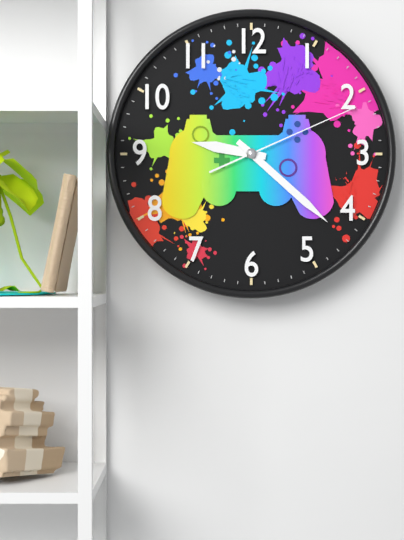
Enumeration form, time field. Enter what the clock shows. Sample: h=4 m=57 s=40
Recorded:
h=9 m=22 s=11
